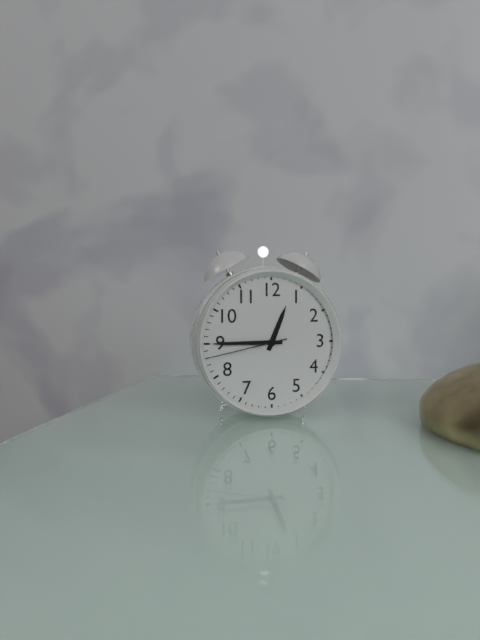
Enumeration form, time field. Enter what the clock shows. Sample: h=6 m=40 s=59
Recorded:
h=12 m=45 s=43
